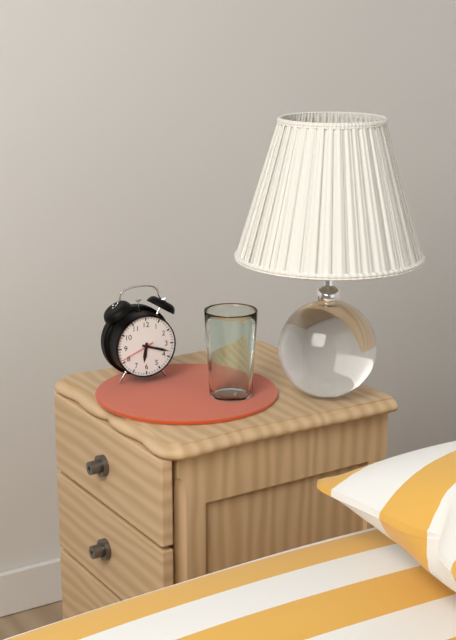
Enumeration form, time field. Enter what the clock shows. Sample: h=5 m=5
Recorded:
h=6 m=18
